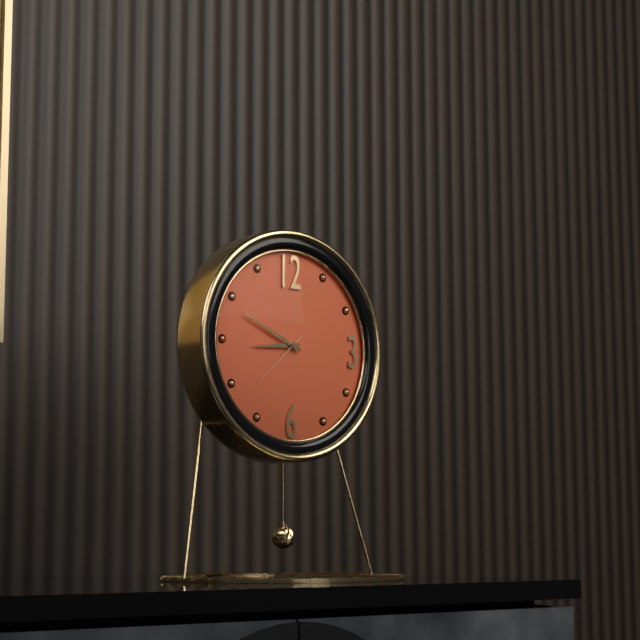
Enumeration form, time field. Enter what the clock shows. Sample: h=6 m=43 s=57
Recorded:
h=8 m=49 s=38
